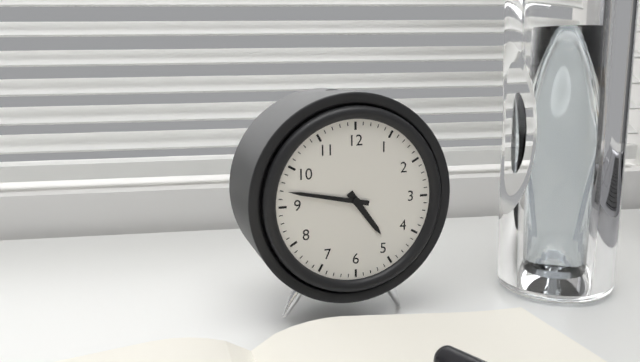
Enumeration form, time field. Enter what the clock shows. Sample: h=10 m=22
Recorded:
h=4 m=47
